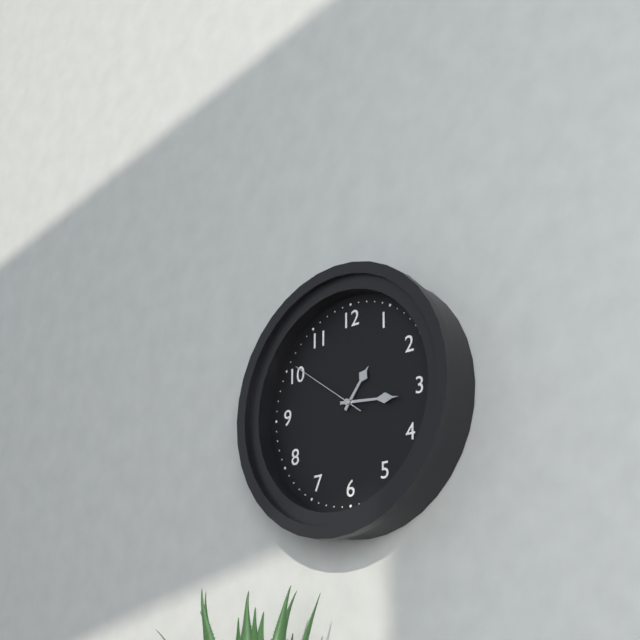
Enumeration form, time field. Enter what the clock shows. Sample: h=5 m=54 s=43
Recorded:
h=1 m=16 s=51
